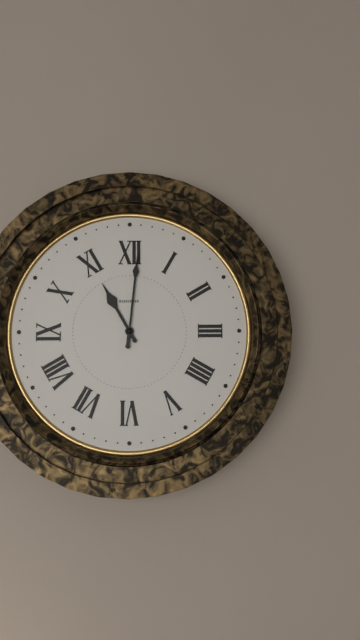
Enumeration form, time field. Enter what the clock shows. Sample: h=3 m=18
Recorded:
h=11 m=1
